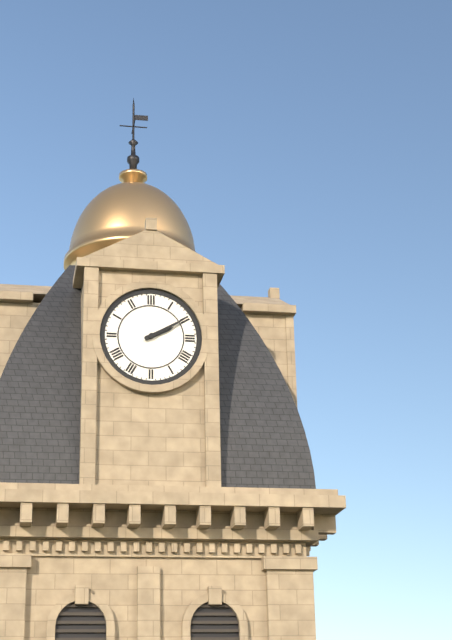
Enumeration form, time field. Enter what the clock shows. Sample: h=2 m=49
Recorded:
h=2 m=10
